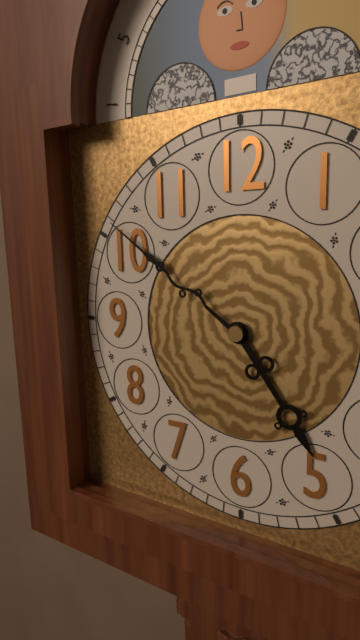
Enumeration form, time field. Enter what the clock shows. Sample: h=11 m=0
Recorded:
h=4 m=51
